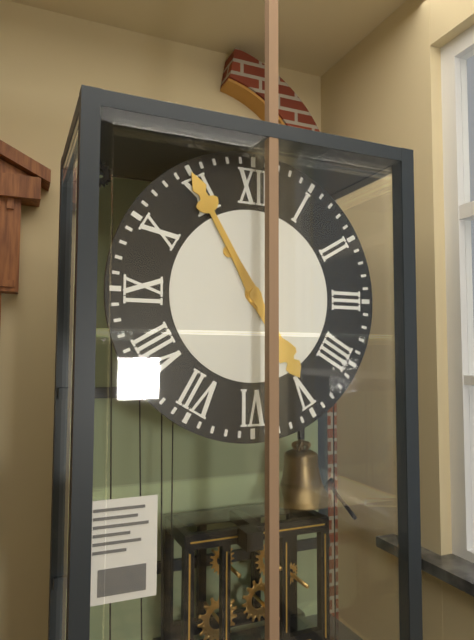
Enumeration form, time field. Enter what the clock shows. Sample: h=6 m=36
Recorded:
h=4 m=55
